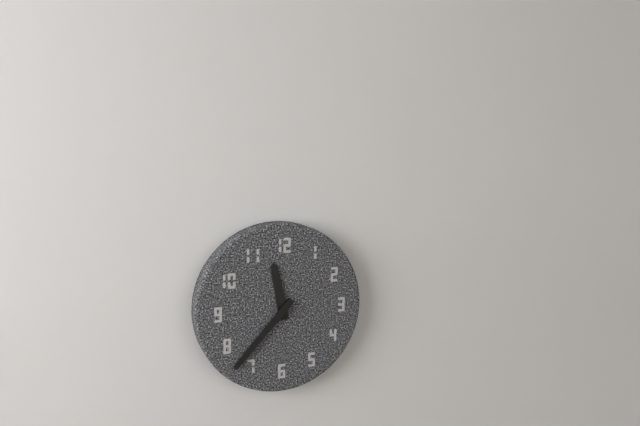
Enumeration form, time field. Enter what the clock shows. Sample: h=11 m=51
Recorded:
h=11 m=37
